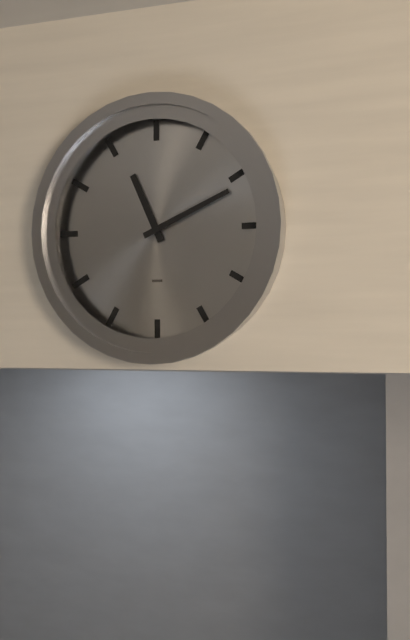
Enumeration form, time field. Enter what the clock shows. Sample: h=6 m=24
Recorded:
h=11 m=11
